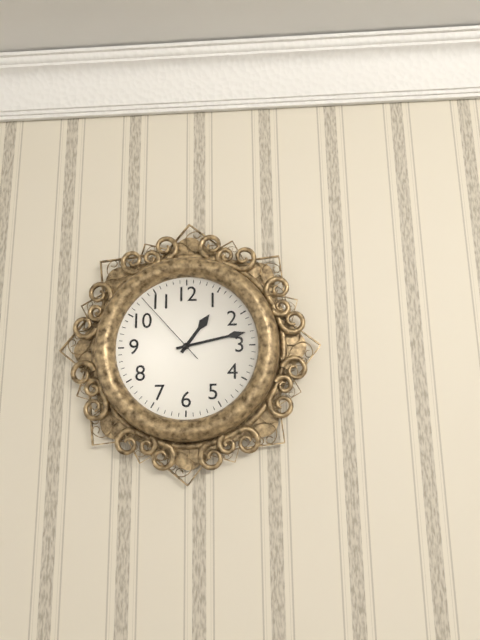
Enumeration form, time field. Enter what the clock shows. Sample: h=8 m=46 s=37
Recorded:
h=1 m=13 s=53
